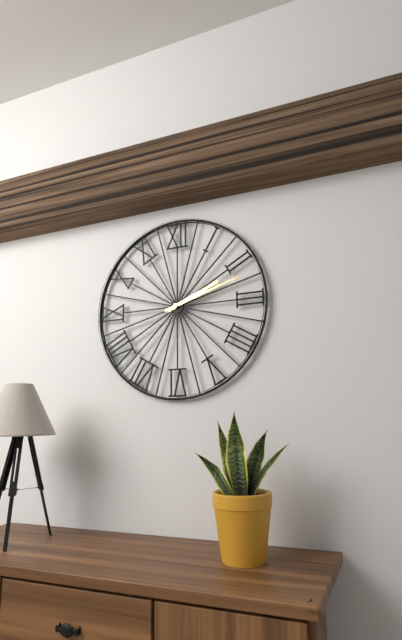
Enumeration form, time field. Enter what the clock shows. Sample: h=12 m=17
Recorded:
h=2 m=12
